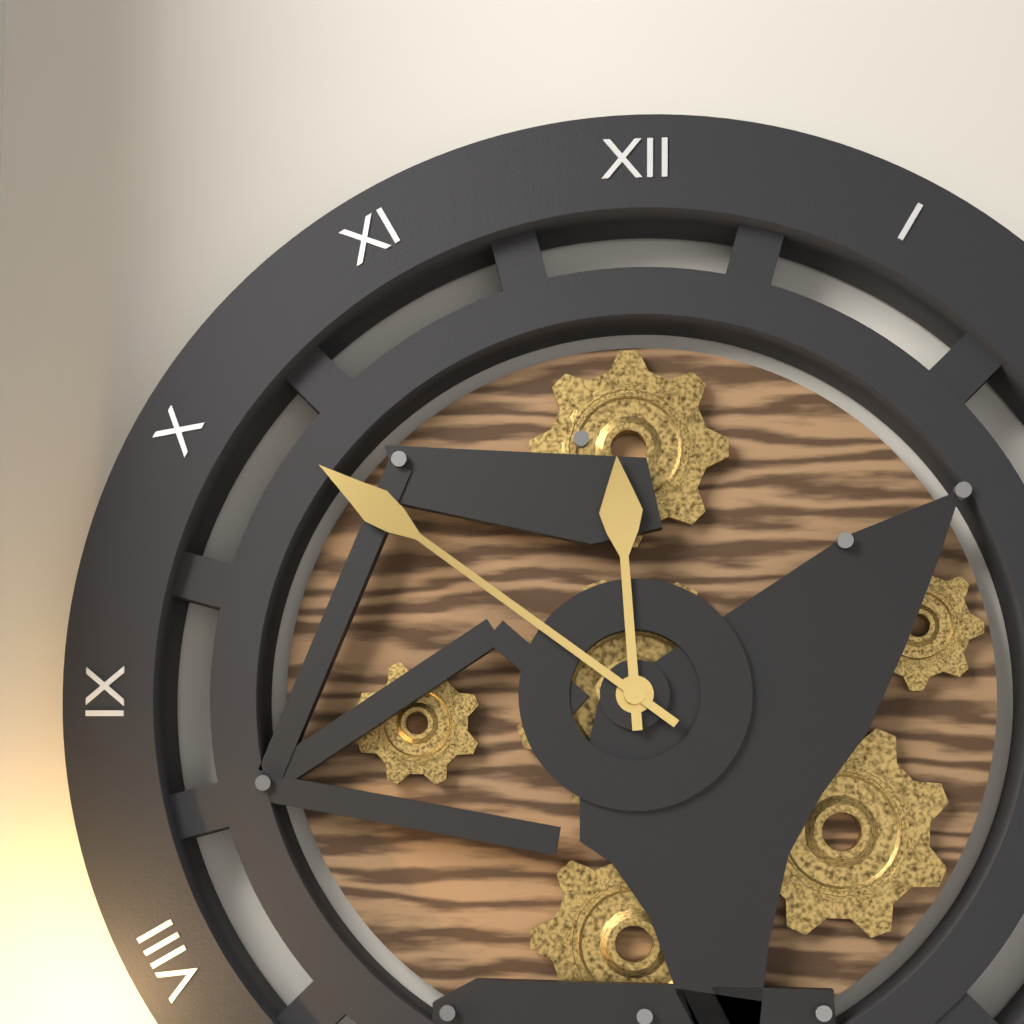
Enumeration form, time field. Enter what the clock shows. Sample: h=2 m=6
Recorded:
h=11 m=51
